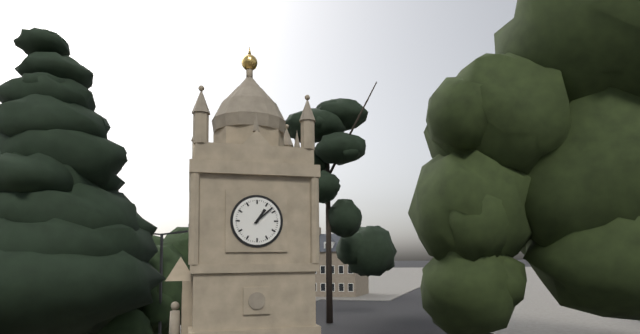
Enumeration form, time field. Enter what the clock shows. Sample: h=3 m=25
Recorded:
h=1 m=8
